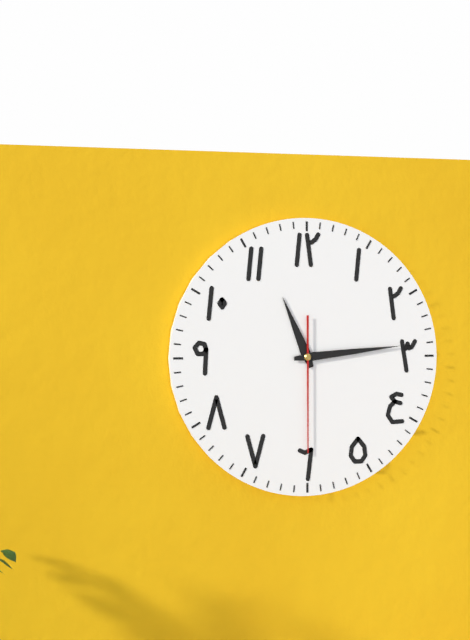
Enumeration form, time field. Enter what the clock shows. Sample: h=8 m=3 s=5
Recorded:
h=11 m=14 s=30
